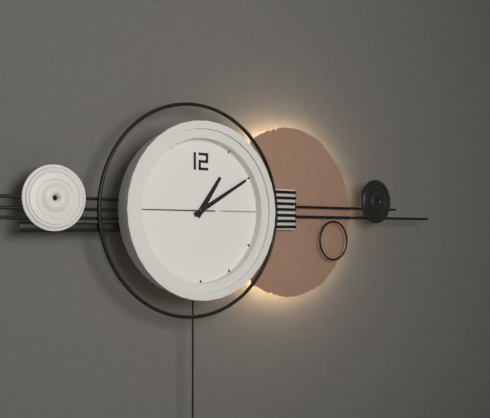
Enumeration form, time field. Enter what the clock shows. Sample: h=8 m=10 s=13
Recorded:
h=1 m=10 s=45
